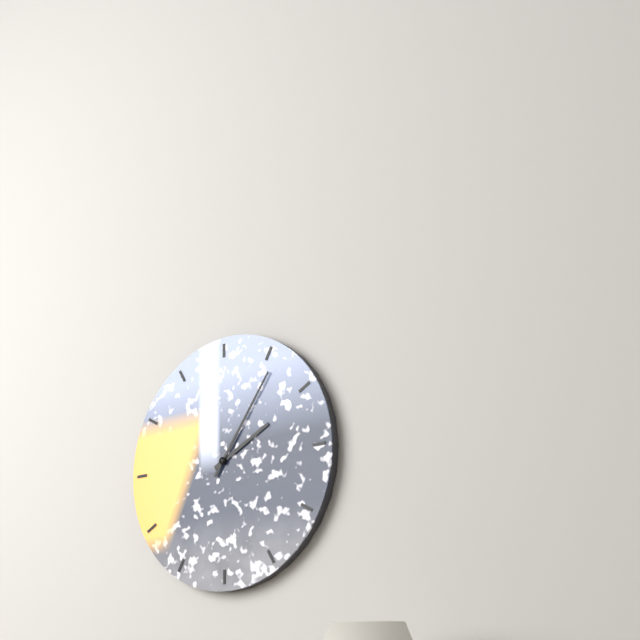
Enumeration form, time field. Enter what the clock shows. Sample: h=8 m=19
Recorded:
h=2 m=6
